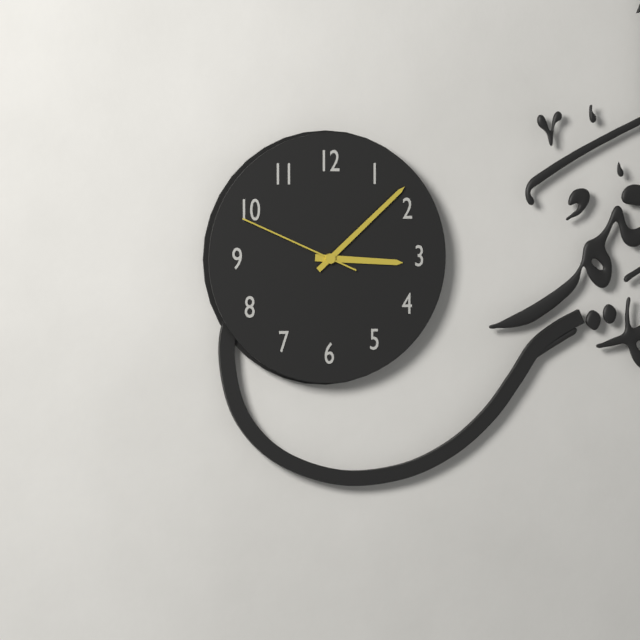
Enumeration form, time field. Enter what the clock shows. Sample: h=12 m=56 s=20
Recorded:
h=3 m=8 s=49
